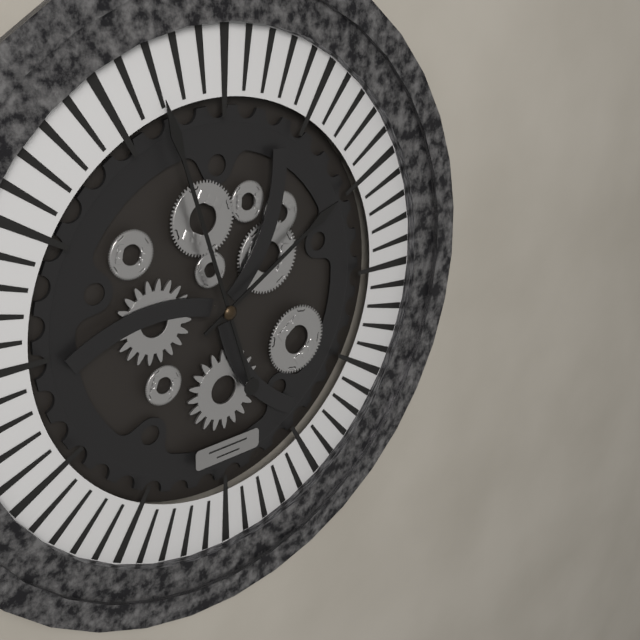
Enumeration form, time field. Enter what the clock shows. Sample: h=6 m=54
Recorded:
h=1 m=57
